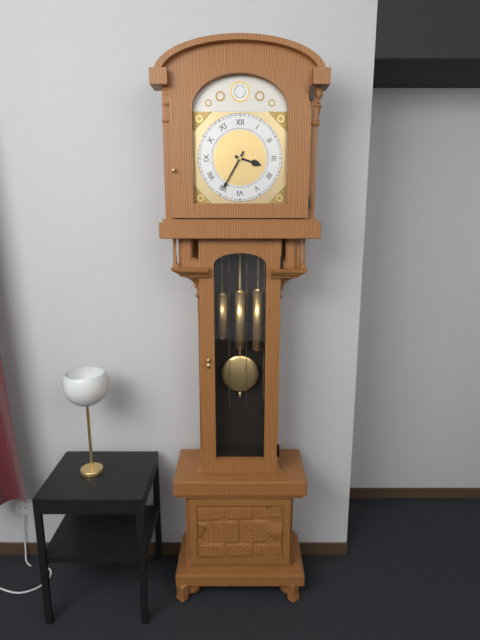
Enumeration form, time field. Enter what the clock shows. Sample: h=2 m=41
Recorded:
h=3 m=35
